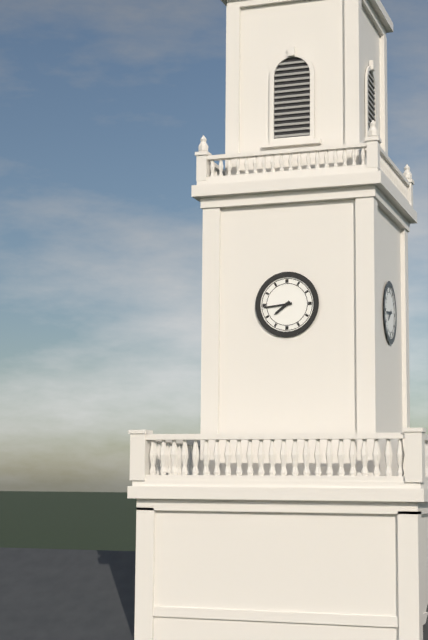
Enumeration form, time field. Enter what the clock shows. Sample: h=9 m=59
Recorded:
h=7 m=44
